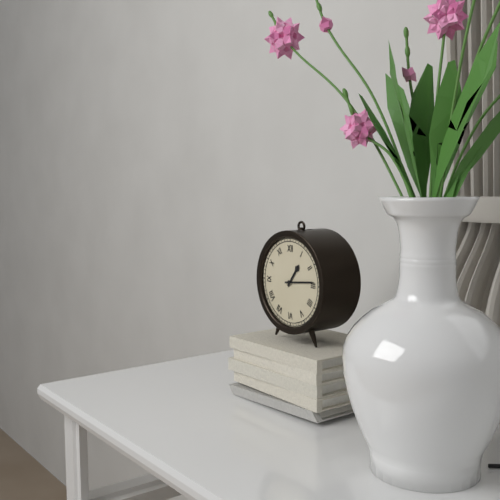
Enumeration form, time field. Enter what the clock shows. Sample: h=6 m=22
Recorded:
h=1 m=14
